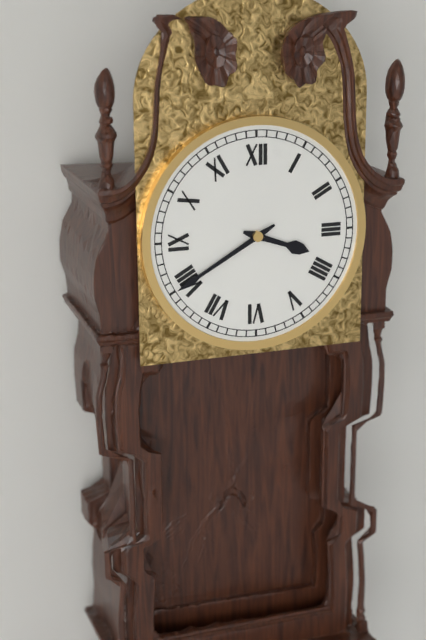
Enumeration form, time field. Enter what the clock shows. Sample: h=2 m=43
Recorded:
h=3 m=40
